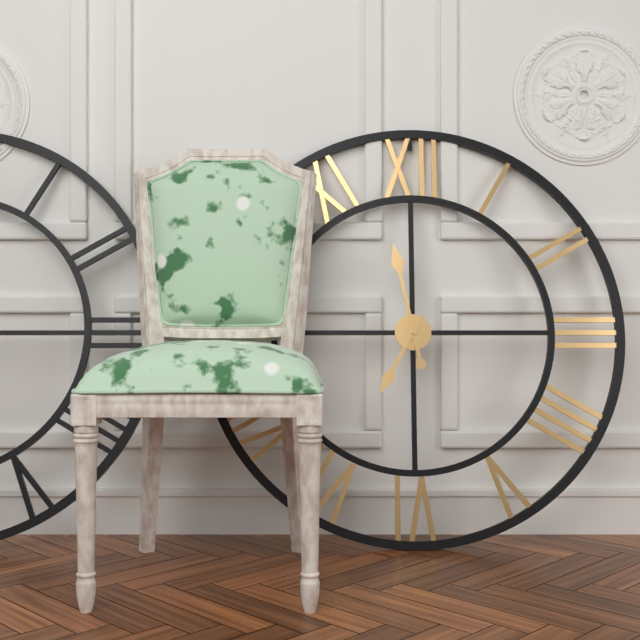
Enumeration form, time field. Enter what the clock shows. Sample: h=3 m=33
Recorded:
h=6 m=58
